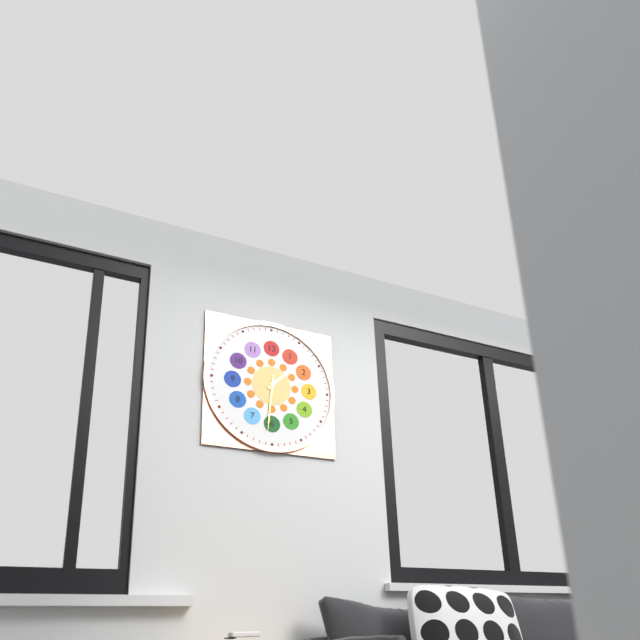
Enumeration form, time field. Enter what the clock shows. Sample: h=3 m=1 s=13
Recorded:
h=1 m=31 s=31
